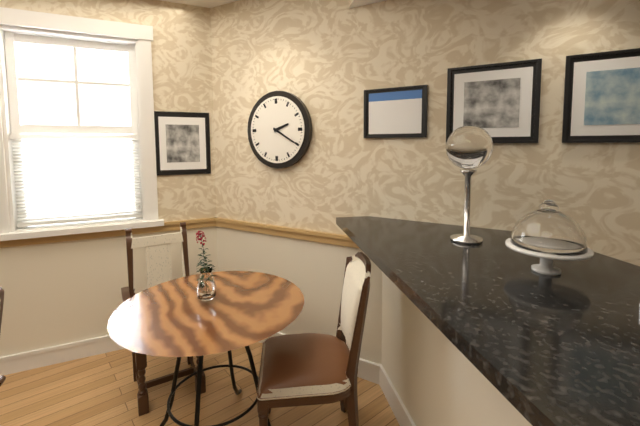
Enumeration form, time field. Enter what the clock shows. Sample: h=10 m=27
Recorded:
h=2 m=20
